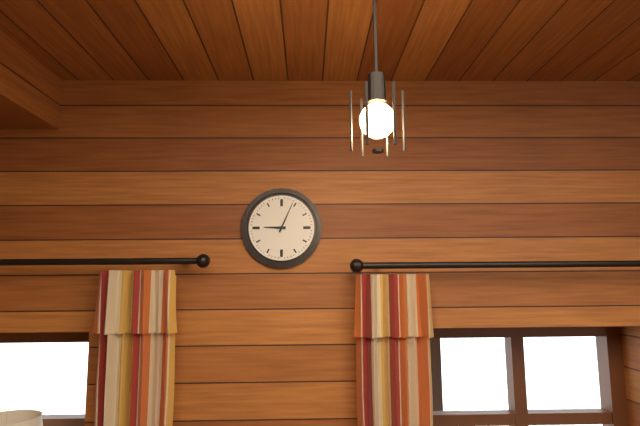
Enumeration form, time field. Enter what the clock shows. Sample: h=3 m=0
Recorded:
h=9 m=4
